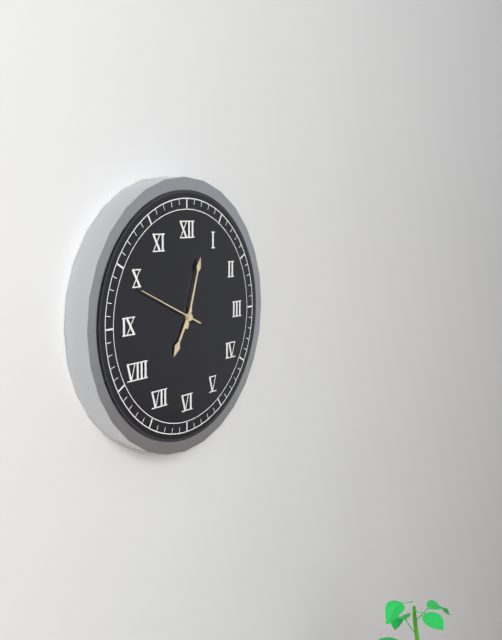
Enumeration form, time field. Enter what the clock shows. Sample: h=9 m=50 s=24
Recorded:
h=7 m=3 s=49
